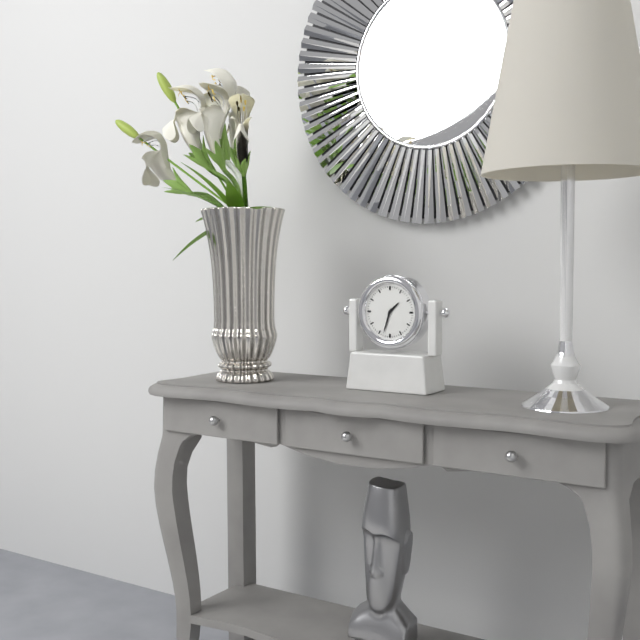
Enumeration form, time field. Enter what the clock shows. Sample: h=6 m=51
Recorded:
h=1 m=33
